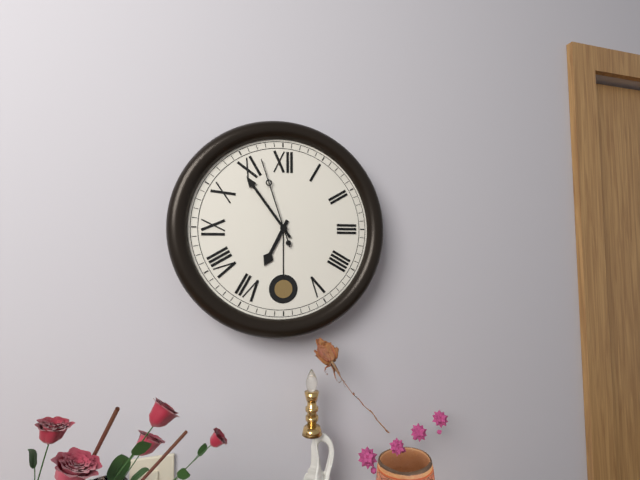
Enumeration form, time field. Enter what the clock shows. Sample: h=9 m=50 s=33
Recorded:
h=6 m=54 s=57
